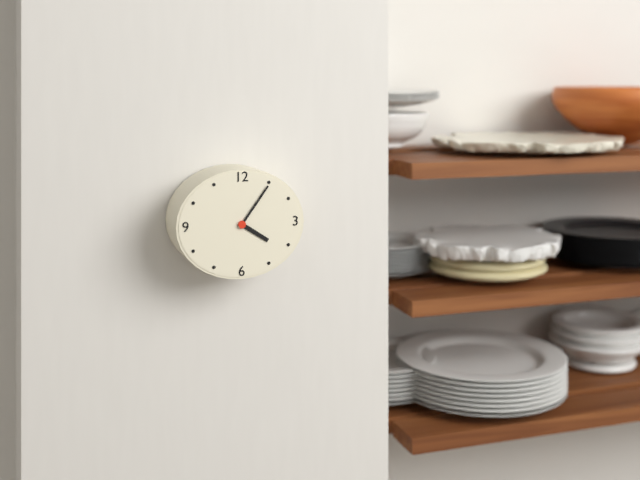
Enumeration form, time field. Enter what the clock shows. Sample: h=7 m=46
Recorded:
h=4 m=6
